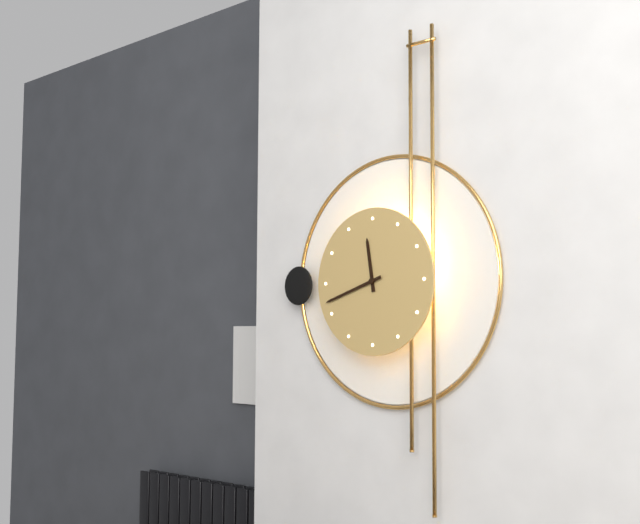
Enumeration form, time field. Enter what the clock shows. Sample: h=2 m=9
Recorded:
h=11 m=42
